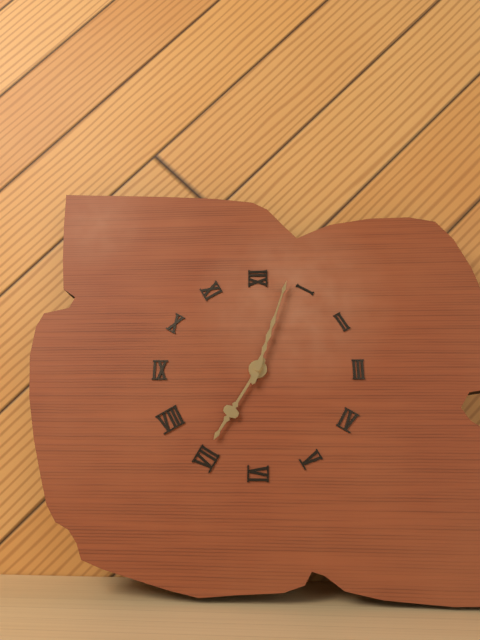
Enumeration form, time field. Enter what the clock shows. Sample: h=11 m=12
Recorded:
h=7 m=3
